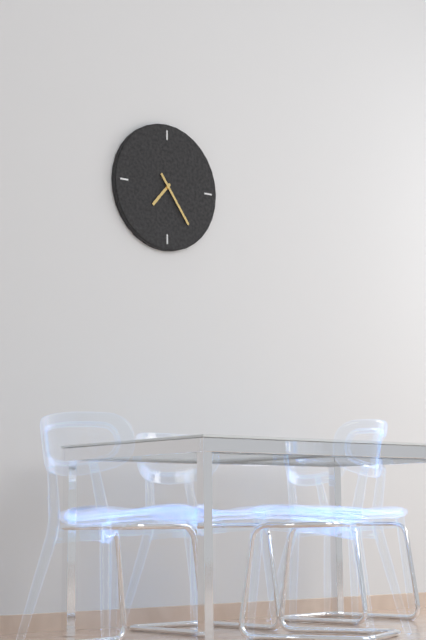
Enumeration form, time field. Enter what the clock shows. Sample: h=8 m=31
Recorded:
h=7 m=24
